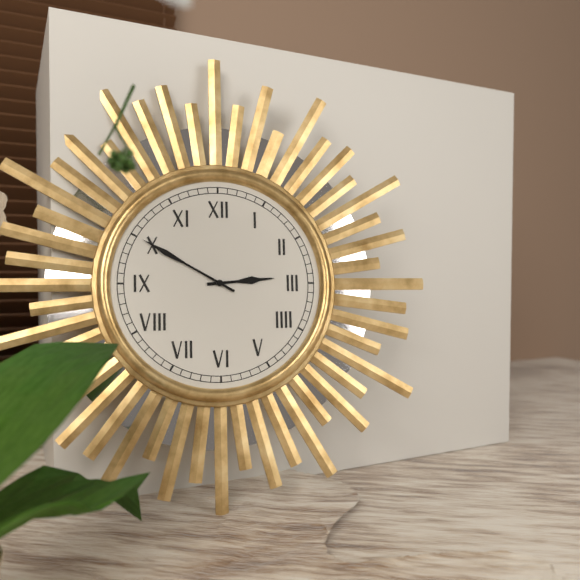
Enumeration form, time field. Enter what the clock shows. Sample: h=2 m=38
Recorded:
h=2 m=50
